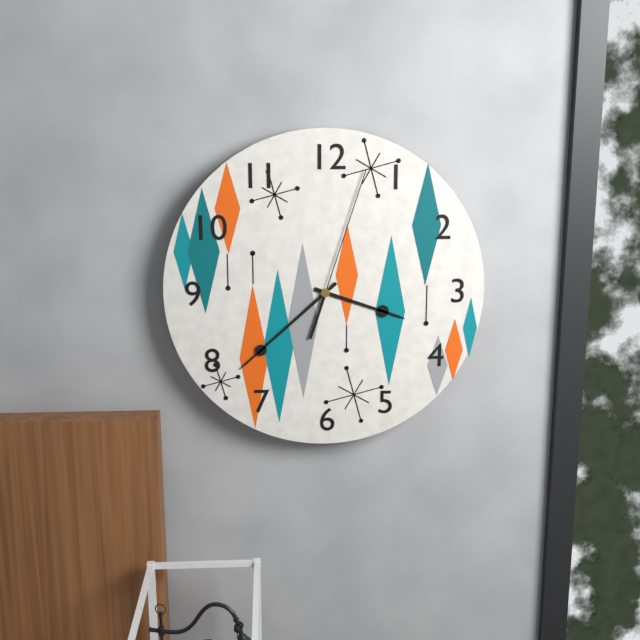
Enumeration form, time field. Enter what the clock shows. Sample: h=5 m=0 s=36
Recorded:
h=3 m=38 s=3
